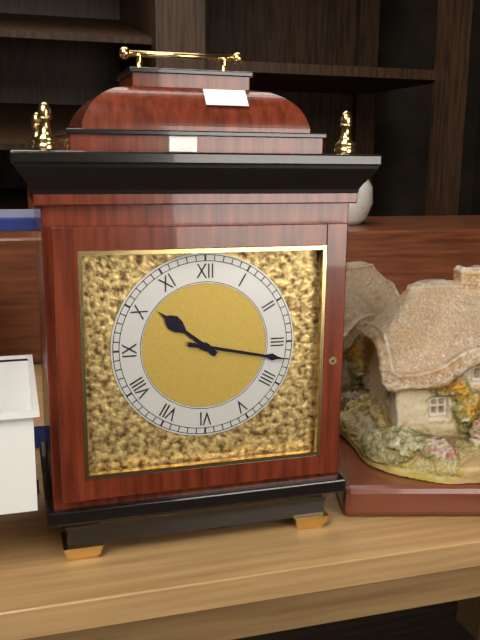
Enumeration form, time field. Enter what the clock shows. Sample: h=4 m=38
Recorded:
h=10 m=17
